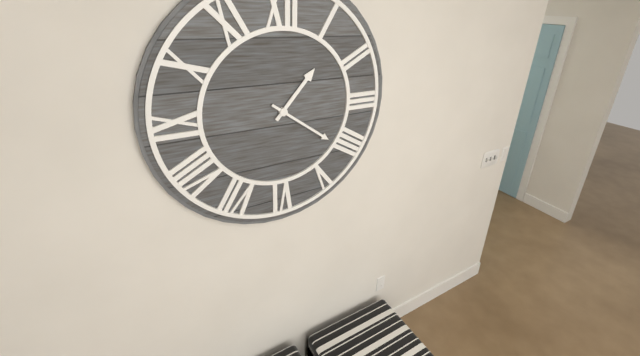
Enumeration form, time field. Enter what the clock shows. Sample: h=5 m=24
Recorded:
h=1 m=21
